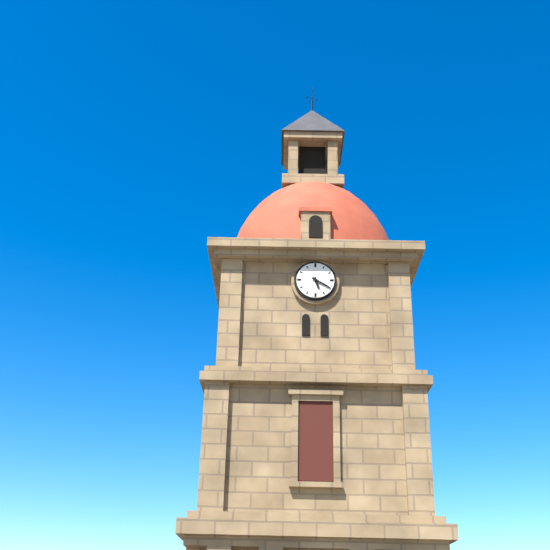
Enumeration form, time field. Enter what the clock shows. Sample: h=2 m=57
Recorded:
h=5 m=20
